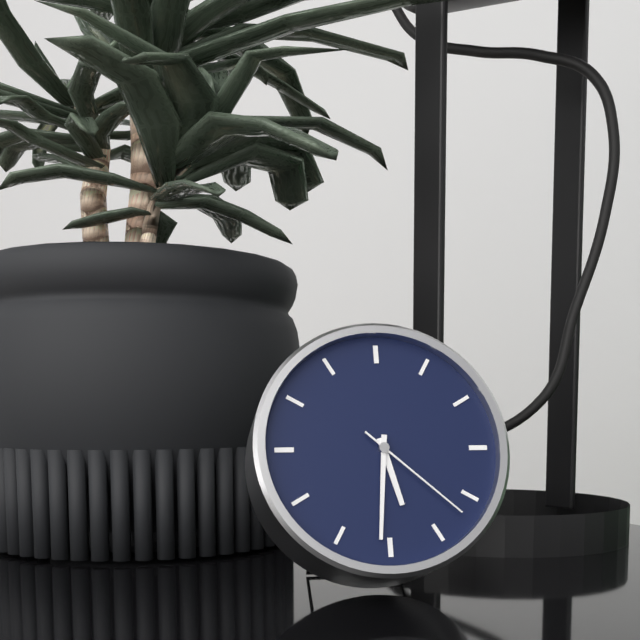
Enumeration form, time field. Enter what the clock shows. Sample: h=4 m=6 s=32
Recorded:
h=5 m=31 s=22
